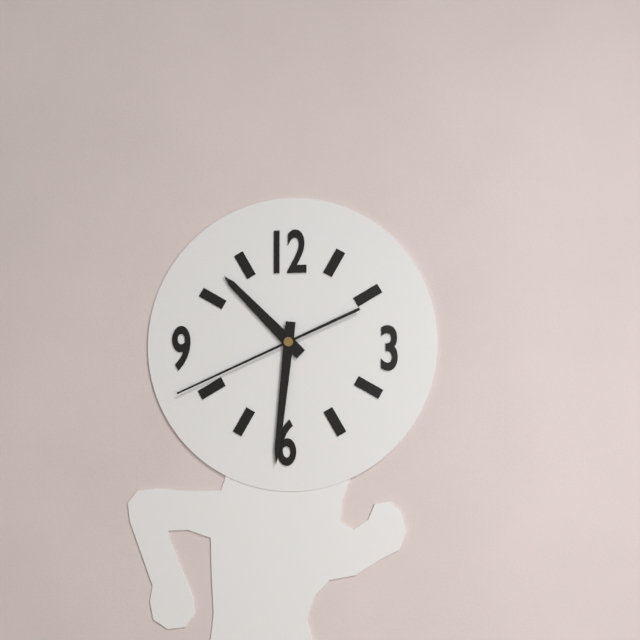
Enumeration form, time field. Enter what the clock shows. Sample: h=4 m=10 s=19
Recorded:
h=10 m=31 s=41
